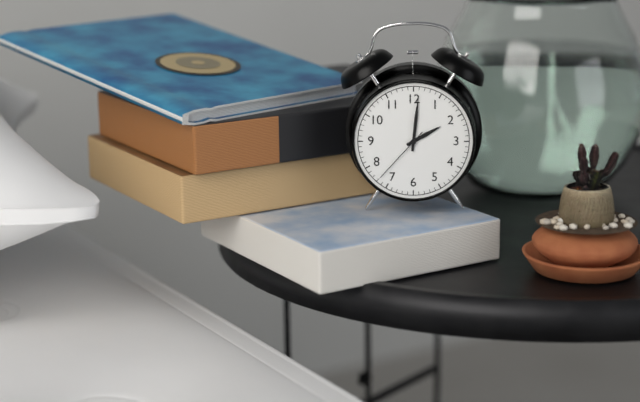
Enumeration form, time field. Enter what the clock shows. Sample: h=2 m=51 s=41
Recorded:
h=2 m=1 s=37
